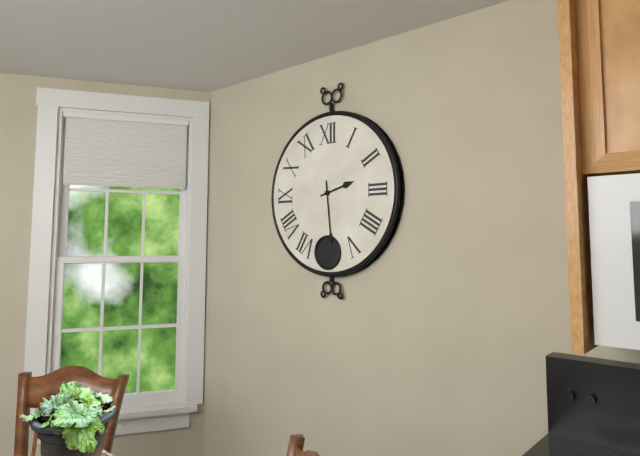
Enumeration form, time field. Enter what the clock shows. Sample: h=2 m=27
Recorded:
h=2 m=29
